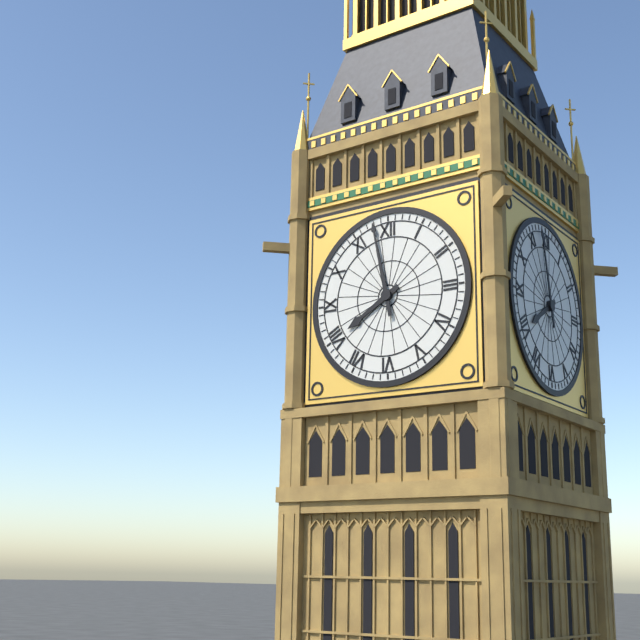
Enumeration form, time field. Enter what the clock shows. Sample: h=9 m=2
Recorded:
h=7 m=58
